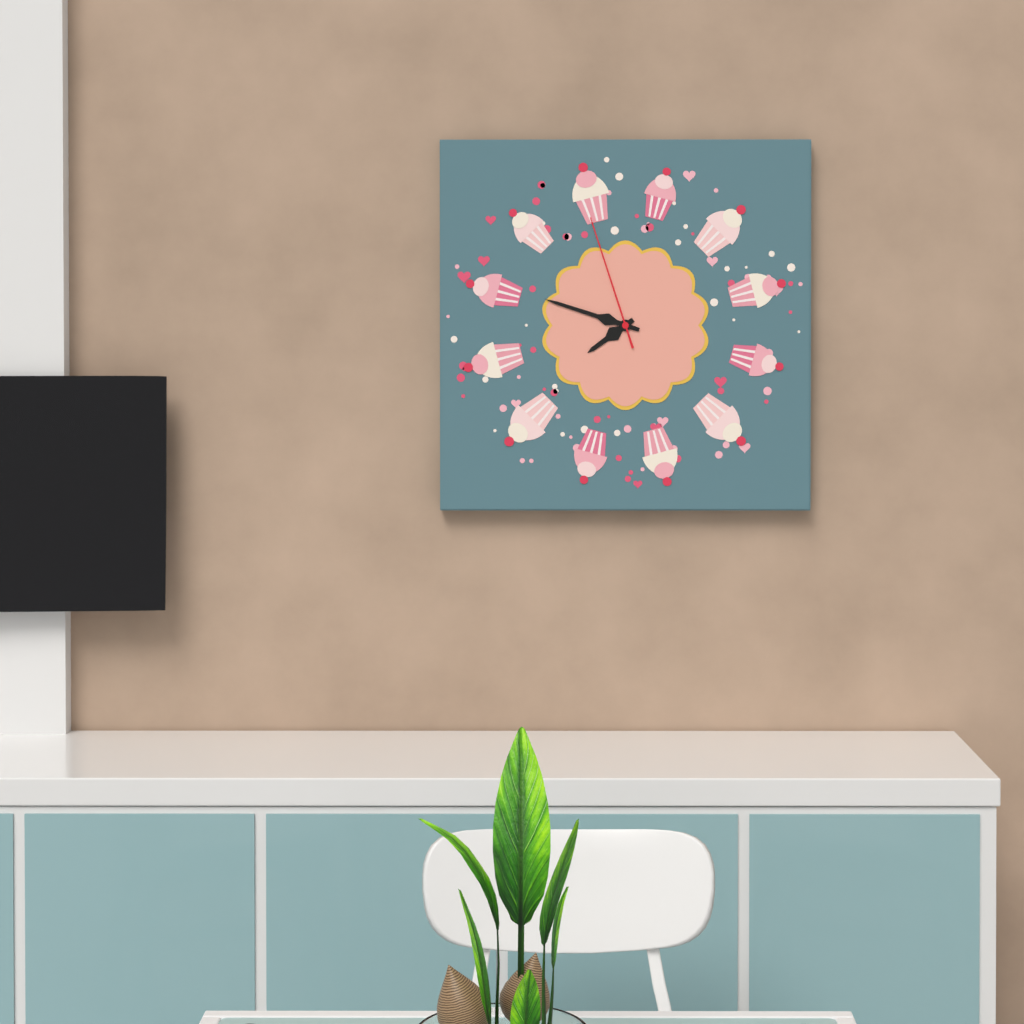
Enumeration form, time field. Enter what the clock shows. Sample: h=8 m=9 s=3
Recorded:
h=7 m=48 s=57
